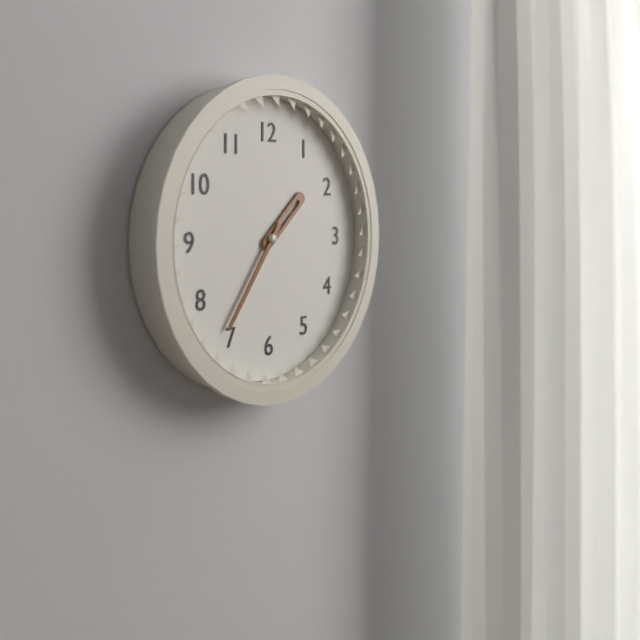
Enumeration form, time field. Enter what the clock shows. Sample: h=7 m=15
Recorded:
h=1 m=36
